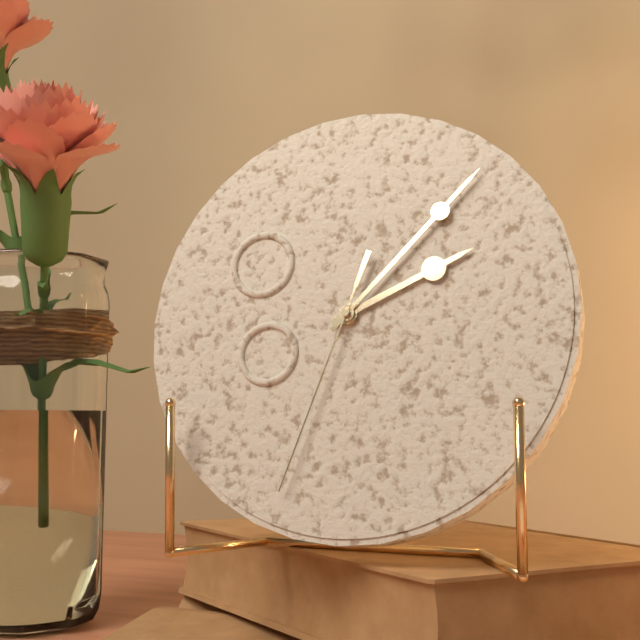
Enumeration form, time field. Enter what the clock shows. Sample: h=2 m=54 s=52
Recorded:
h=2 m=7 s=33
